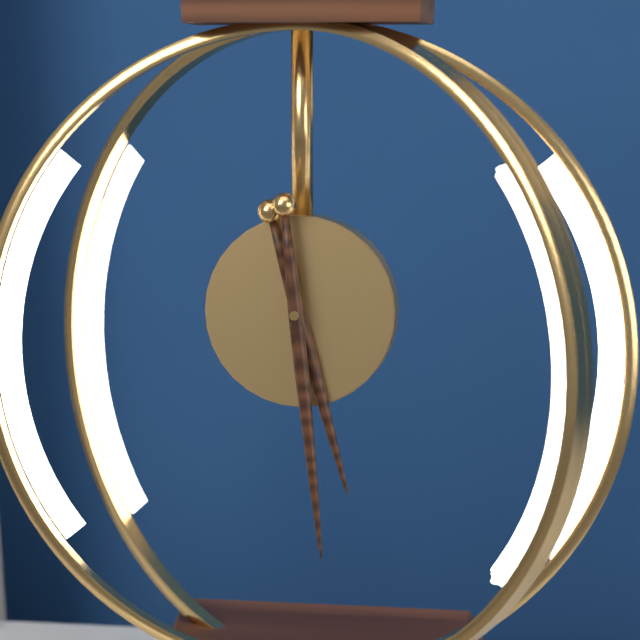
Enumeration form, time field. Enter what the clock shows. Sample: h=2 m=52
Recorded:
h=5 m=29
